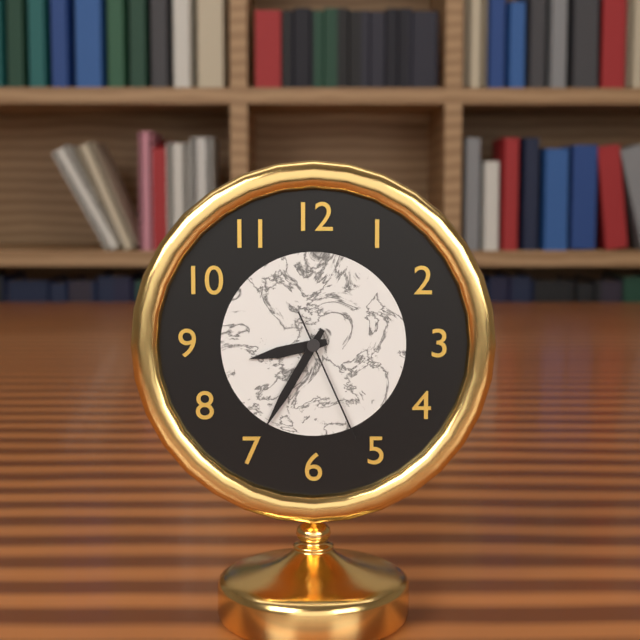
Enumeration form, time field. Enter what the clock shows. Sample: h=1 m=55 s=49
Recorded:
h=8 m=35 s=26
